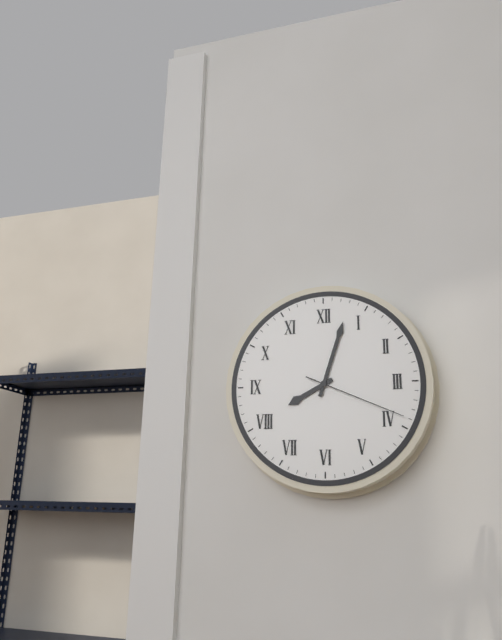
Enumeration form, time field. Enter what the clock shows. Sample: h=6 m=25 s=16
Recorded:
h=8 m=3 s=19
